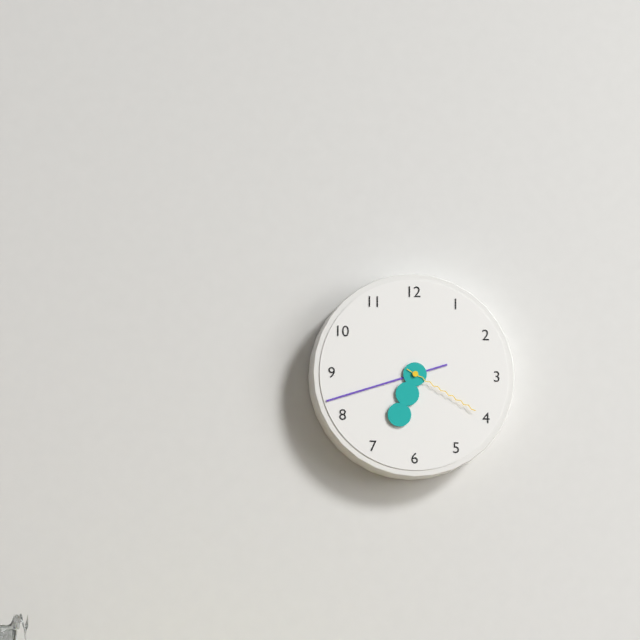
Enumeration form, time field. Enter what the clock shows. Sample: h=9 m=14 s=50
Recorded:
h=6 m=42 s=20
